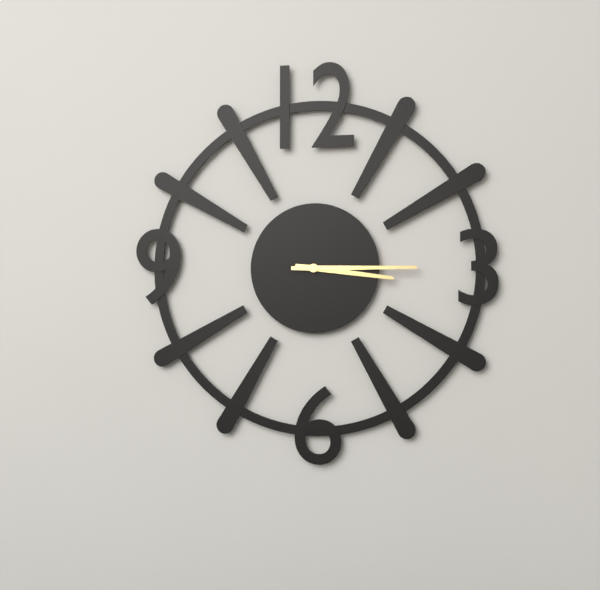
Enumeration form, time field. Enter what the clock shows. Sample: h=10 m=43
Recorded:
h=3 m=15
